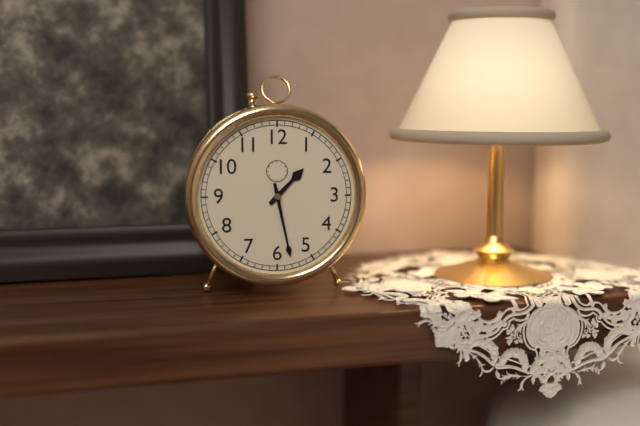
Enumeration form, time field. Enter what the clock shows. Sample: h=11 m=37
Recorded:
h=1 m=28
